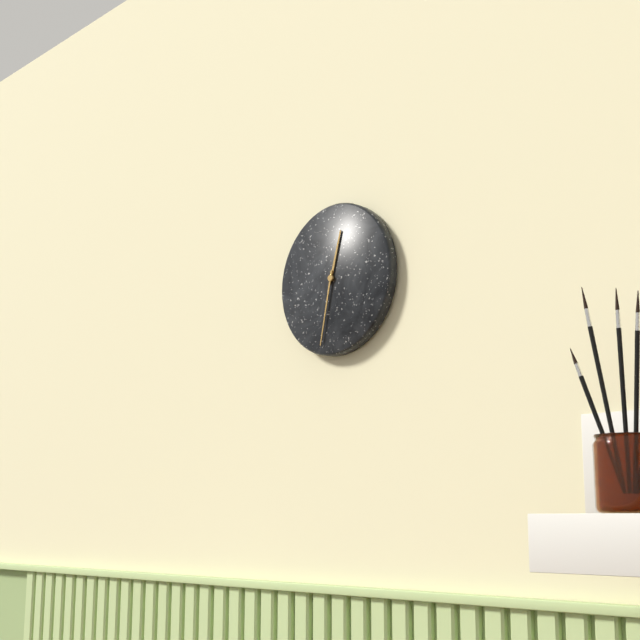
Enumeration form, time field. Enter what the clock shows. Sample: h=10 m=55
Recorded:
h=12 m=32
